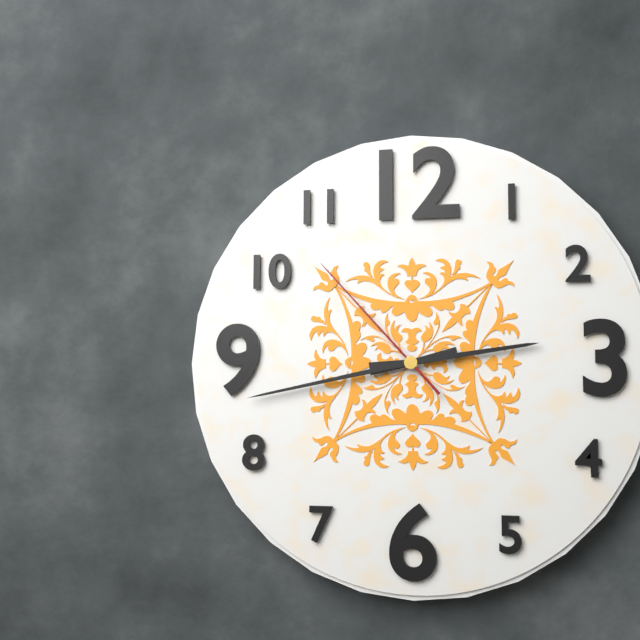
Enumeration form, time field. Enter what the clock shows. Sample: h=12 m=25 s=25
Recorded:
h=2 m=43 s=53
